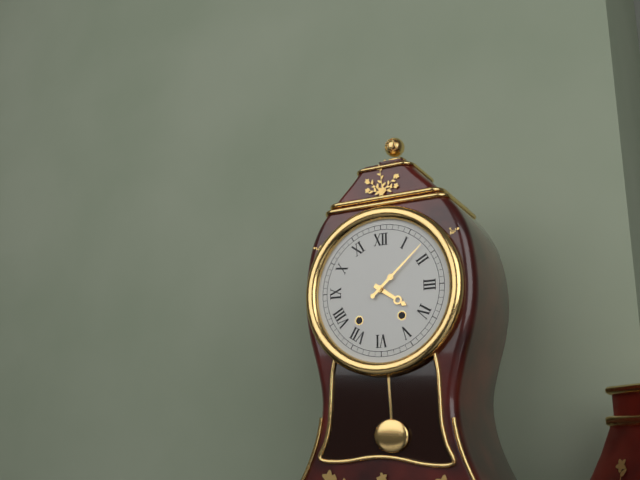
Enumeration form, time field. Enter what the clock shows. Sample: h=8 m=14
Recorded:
h=4 m=8
